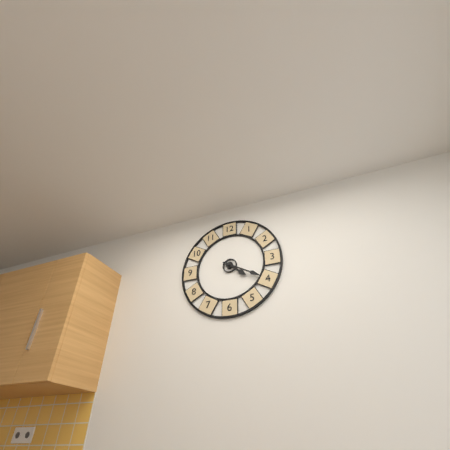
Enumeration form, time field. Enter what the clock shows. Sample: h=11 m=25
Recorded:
h=4 m=20
